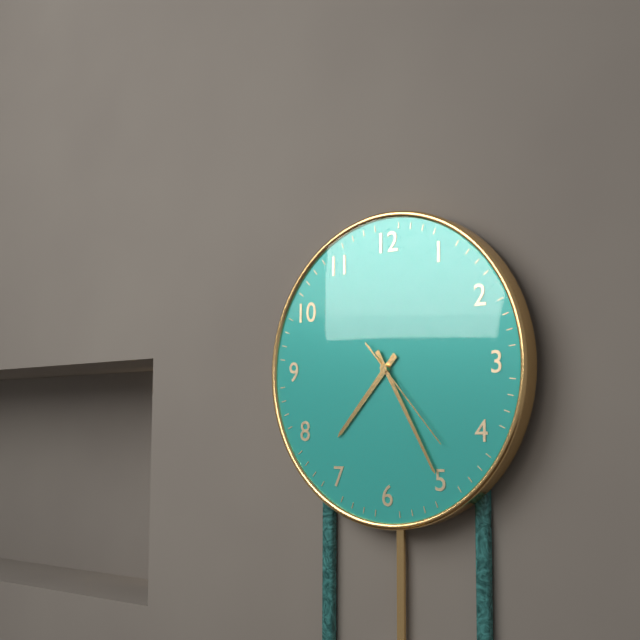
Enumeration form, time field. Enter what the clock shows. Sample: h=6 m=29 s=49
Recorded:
h=7 m=25 s=23
